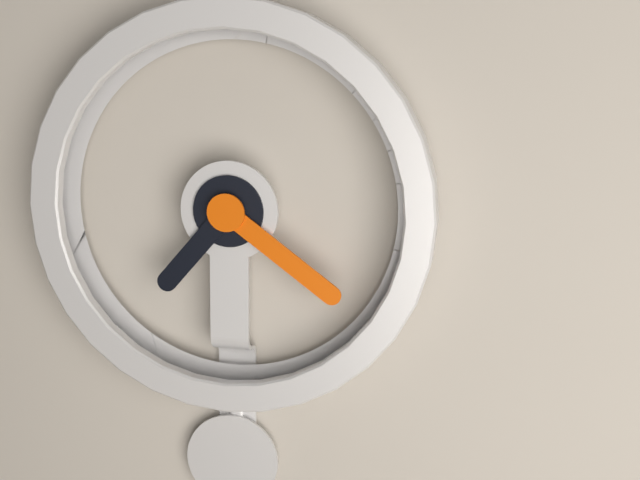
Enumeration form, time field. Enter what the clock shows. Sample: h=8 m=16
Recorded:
h=7 m=21
